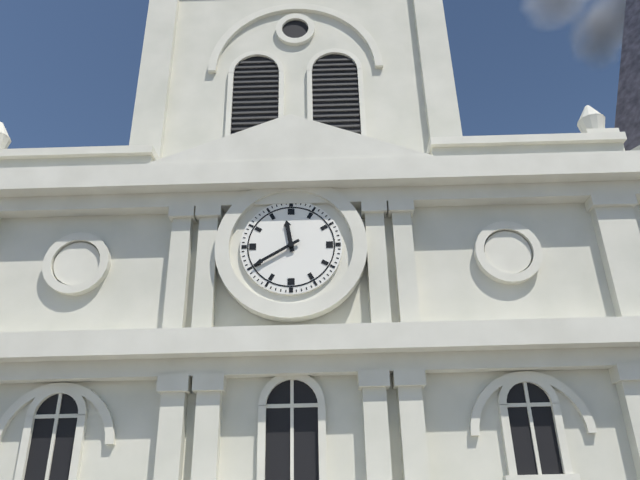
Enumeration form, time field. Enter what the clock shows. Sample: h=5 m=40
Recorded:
h=11 m=40
